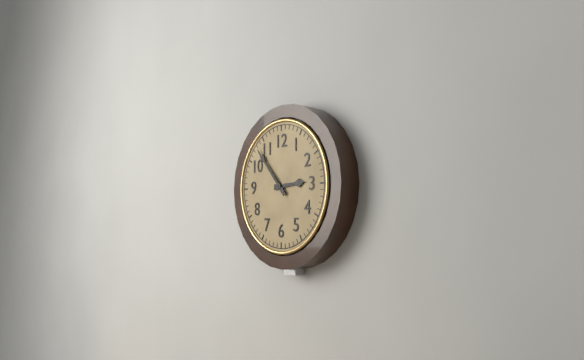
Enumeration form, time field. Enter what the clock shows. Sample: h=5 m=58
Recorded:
h=2 m=53
